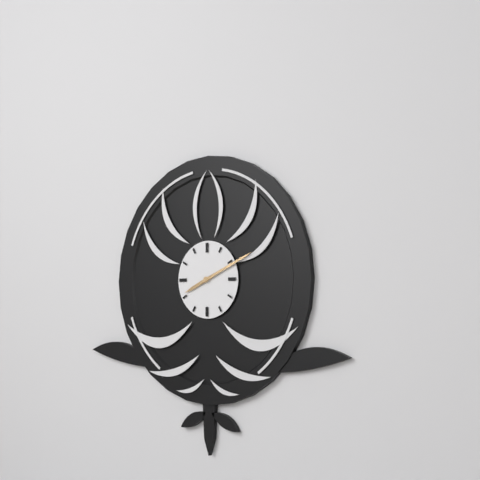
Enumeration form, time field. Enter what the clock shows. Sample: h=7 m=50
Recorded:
h=8 m=11
